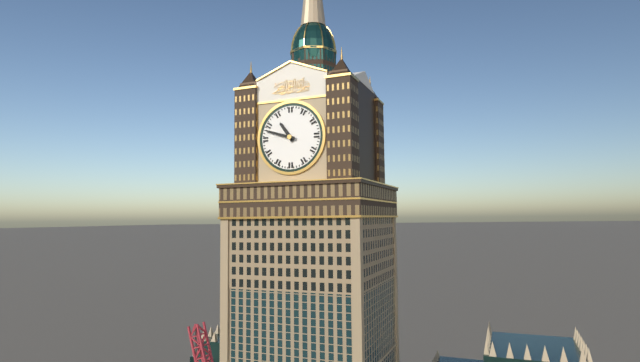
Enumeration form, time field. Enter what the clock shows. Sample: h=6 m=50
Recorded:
h=10 m=48
